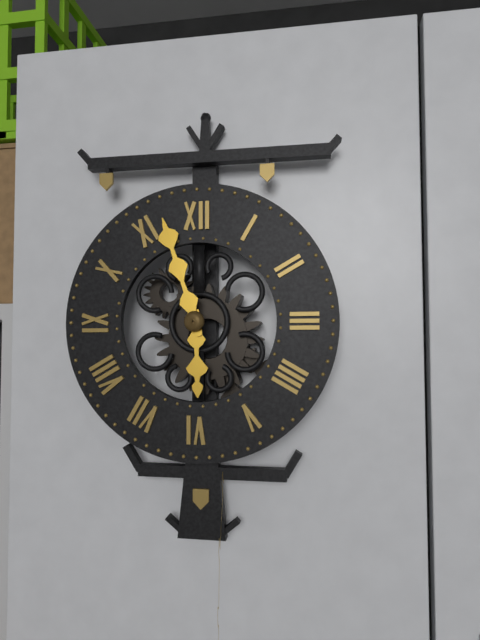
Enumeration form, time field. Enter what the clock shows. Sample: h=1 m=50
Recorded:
h=5 m=57
